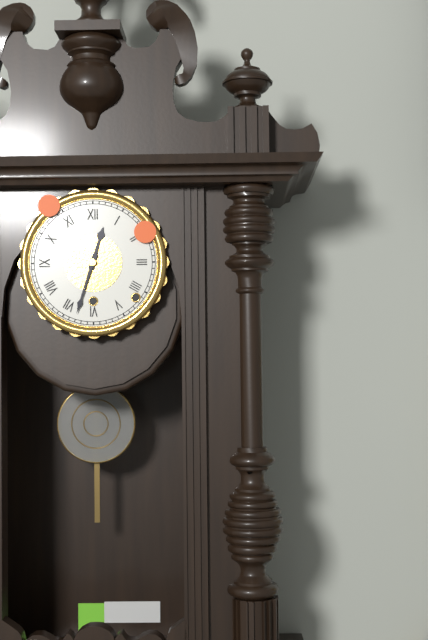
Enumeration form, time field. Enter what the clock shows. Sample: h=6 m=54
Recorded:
h=12 m=33
